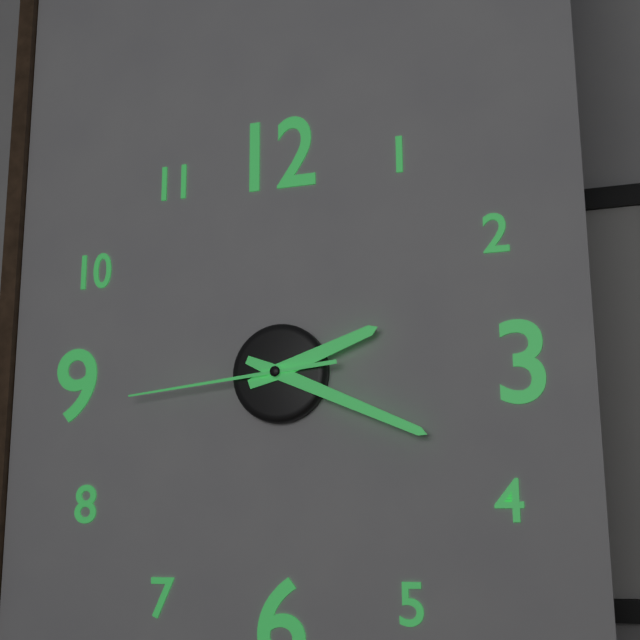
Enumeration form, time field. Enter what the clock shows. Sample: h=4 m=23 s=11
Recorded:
h=2 m=19 s=44
